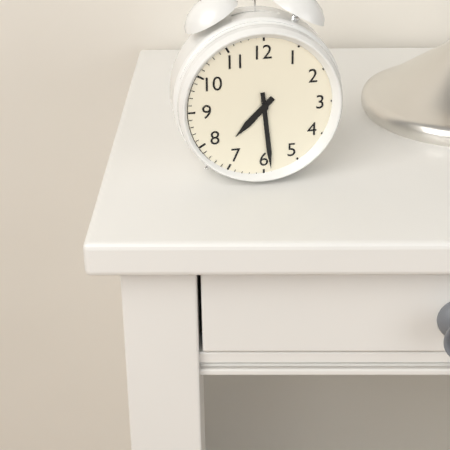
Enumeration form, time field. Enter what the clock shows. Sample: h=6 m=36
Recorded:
h=7 m=29
